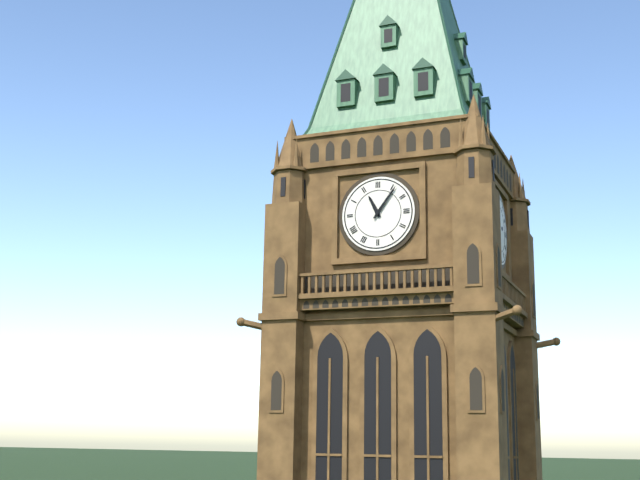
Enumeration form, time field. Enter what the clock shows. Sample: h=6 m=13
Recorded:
h=11 m=6
